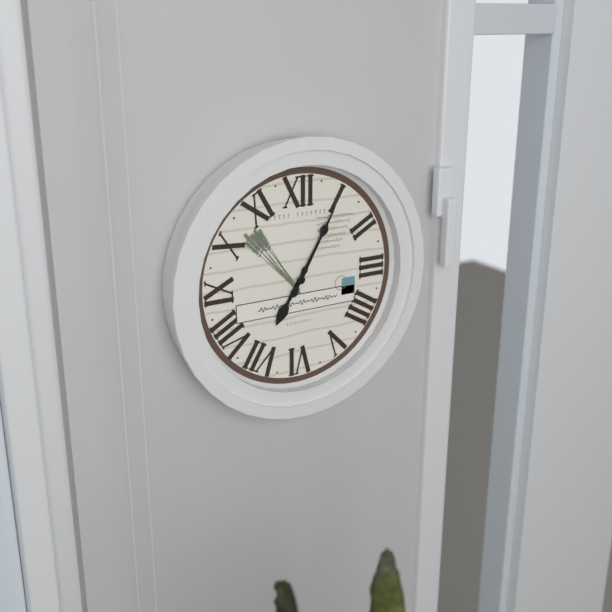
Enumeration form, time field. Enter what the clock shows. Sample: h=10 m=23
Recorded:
h=7 m=5
